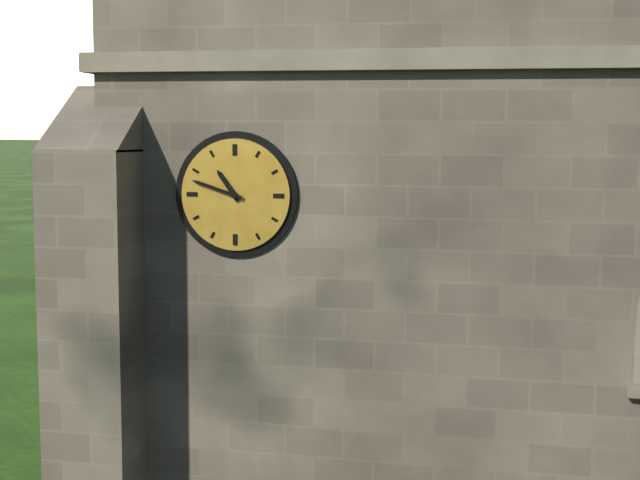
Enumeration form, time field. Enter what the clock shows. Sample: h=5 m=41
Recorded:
h=10 m=48
